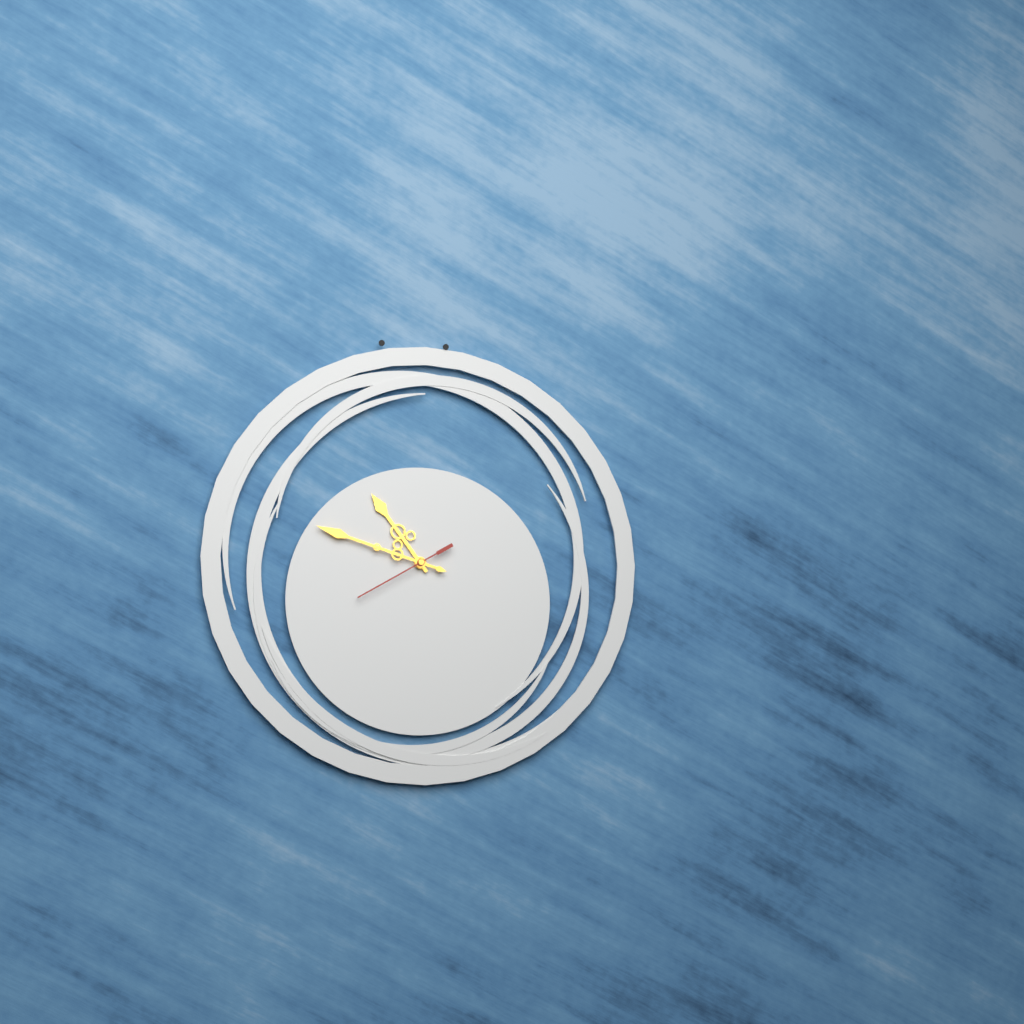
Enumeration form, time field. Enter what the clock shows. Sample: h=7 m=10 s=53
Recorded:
h=10 m=48 s=40
